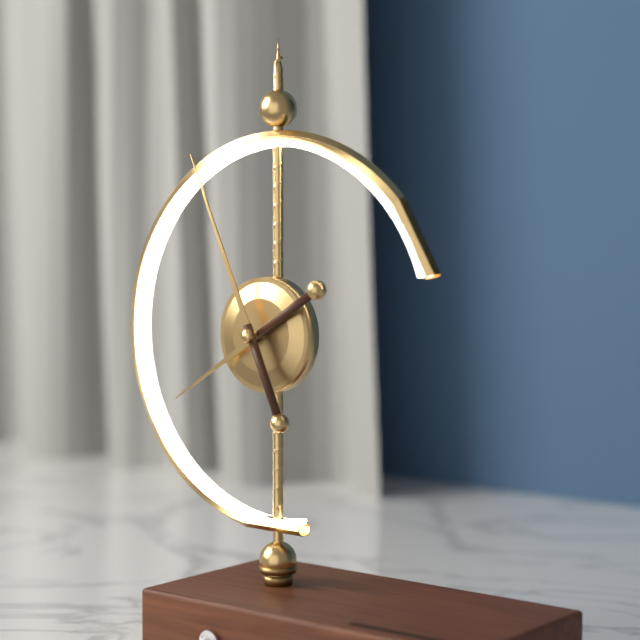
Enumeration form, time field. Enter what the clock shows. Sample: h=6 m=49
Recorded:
h=7 m=56
